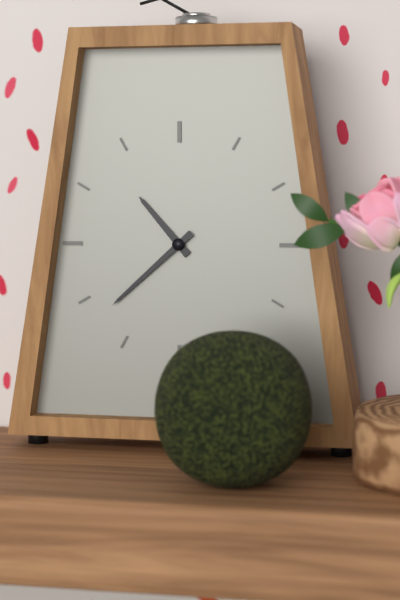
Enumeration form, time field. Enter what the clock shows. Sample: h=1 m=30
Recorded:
h=10 m=38
